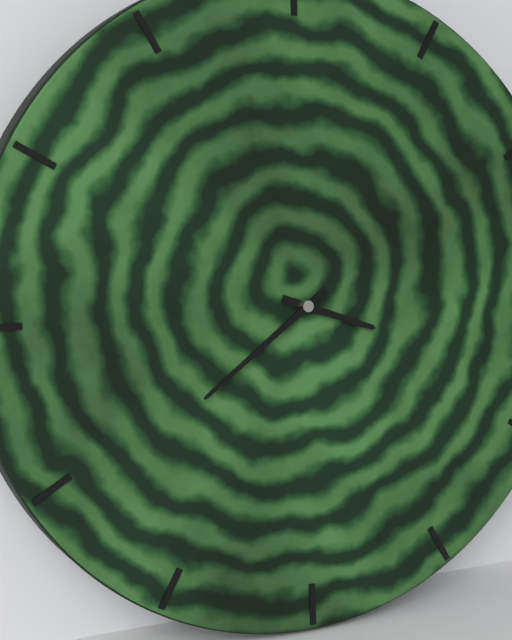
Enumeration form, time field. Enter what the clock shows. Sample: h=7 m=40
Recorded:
h=3 m=39
